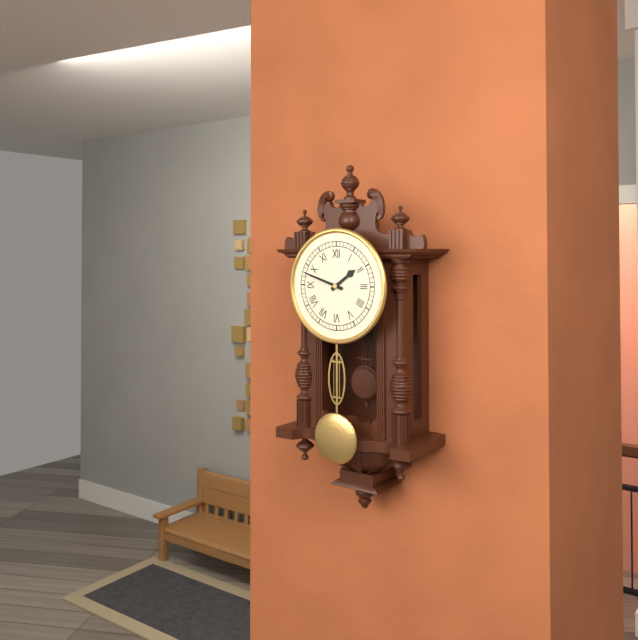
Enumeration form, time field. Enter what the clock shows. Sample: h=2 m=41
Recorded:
h=1 m=48
